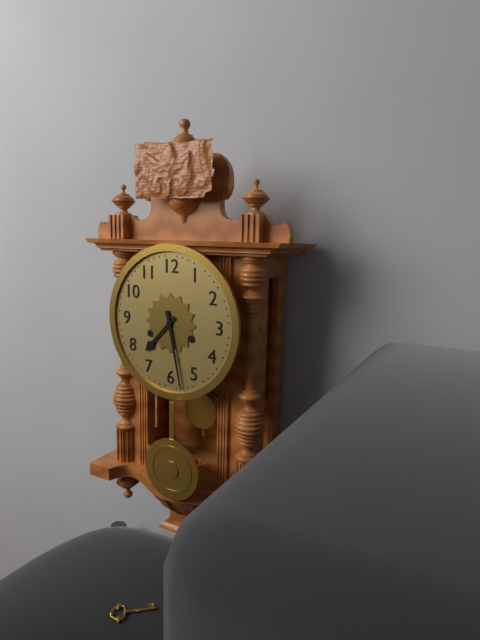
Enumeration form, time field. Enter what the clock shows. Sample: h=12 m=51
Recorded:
h=7 m=28
